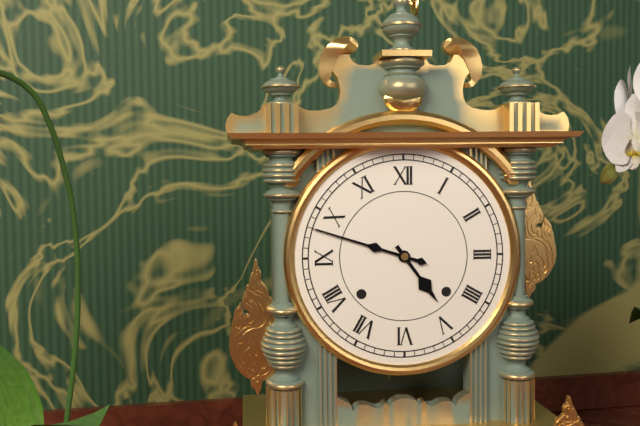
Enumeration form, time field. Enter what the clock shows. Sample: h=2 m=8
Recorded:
h=4 m=48
